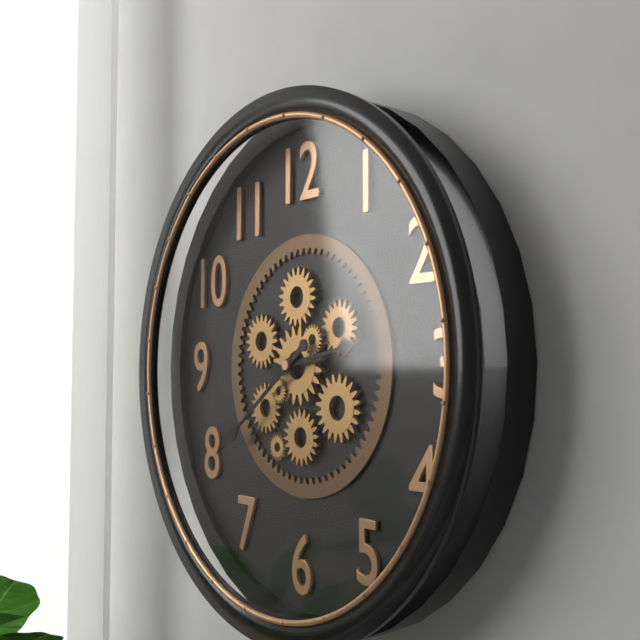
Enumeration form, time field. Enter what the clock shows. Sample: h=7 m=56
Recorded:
h=2 m=39
